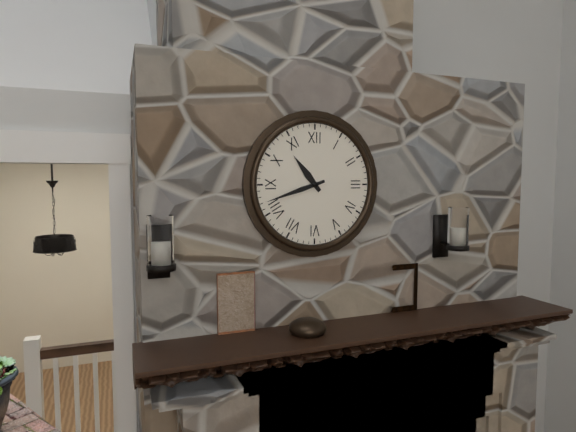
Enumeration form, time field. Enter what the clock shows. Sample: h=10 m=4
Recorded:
h=10 m=42
